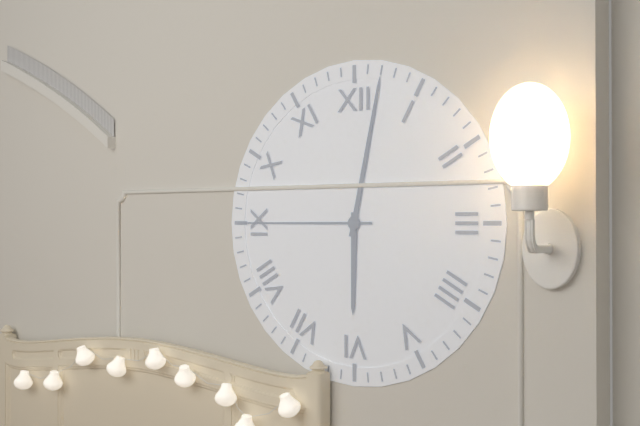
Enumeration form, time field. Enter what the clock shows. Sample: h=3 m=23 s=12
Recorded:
h=6 m=2 s=45
